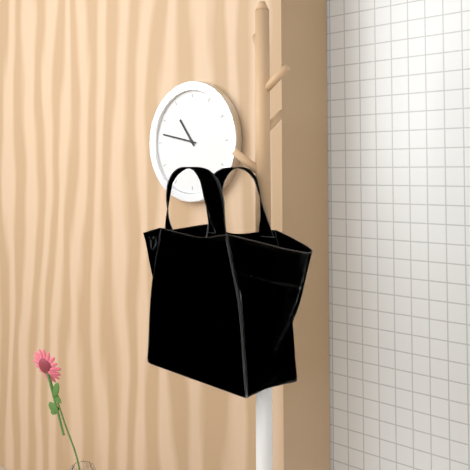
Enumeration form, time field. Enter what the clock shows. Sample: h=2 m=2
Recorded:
h=10 m=47
